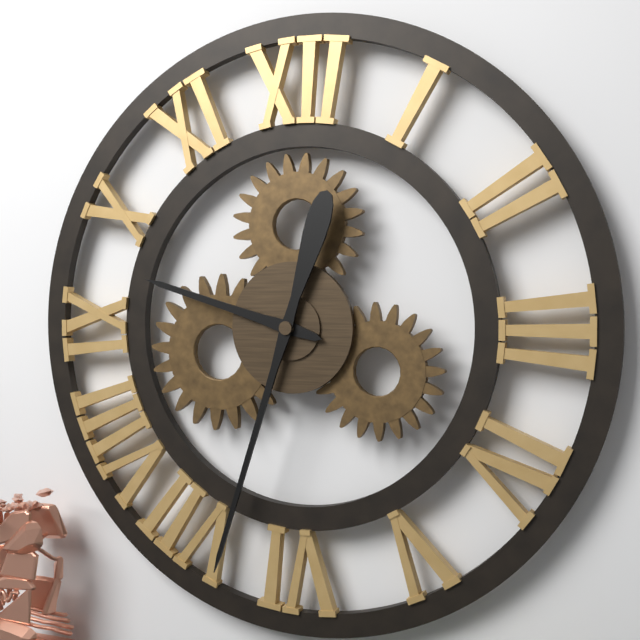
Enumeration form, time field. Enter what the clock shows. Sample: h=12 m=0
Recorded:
h=9 m=33
